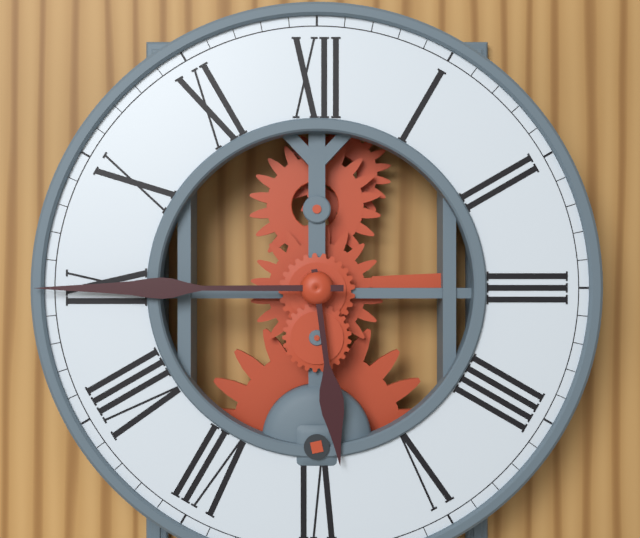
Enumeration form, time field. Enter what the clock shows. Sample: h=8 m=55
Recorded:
h=5 m=45
